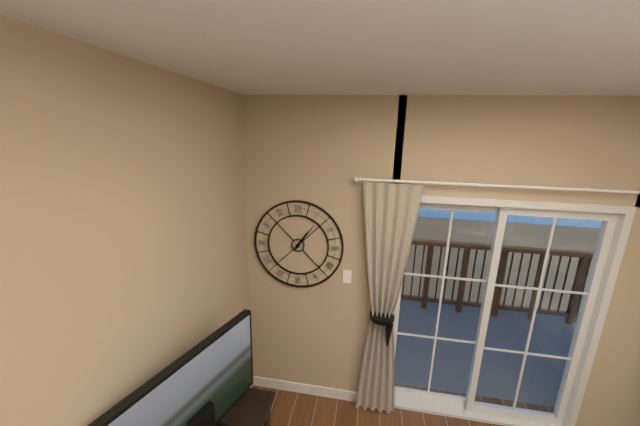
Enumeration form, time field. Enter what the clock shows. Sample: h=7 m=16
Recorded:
h=1 m=6
